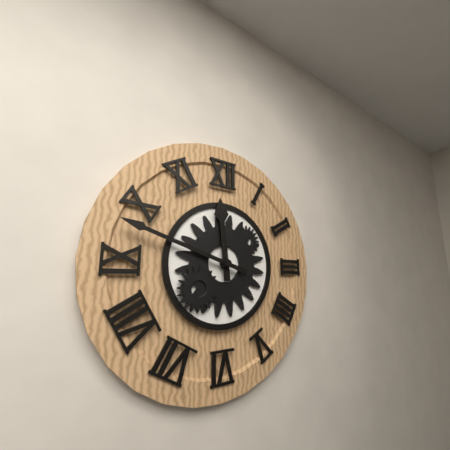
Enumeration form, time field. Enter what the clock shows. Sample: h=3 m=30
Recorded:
h=11 m=48
